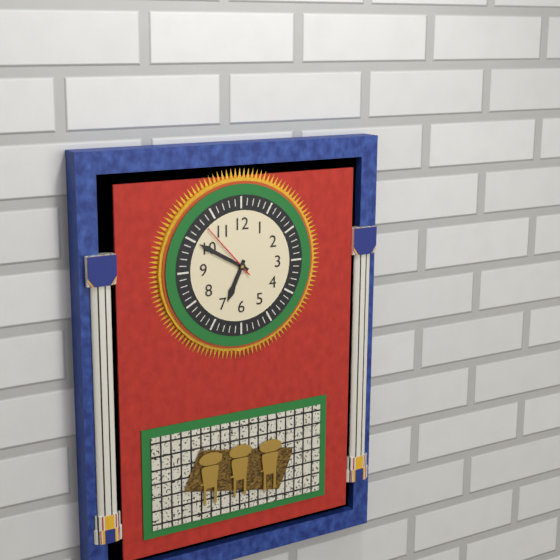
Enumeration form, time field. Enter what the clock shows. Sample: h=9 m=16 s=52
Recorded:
h=6 m=50 s=53
